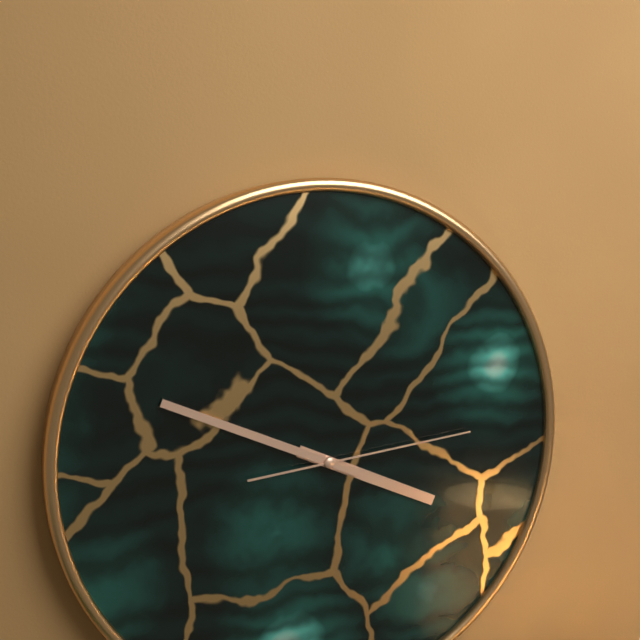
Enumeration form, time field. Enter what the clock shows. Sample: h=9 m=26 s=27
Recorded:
h=3 m=49 s=14
